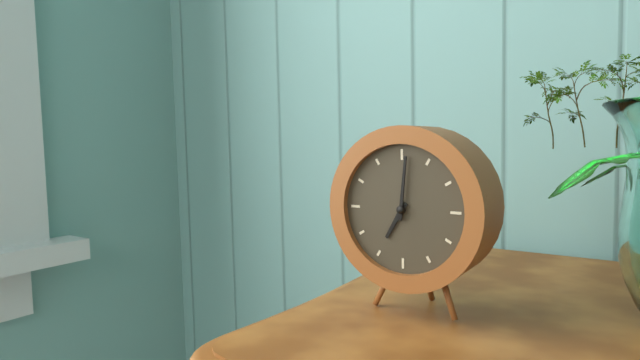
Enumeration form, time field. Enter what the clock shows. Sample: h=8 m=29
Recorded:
h=7 m=1
